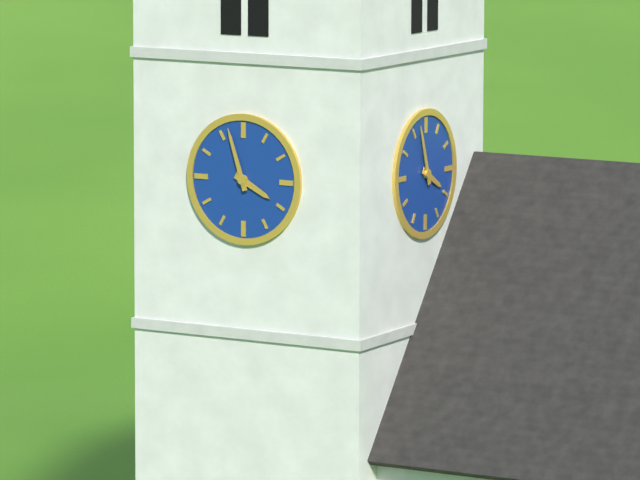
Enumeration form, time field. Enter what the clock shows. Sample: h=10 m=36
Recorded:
h=3 m=57
